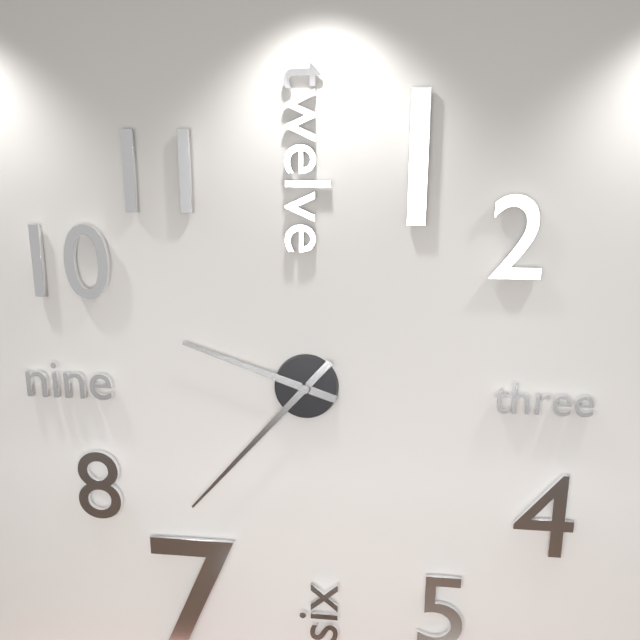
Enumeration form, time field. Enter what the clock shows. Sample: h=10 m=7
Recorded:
h=9 m=37
